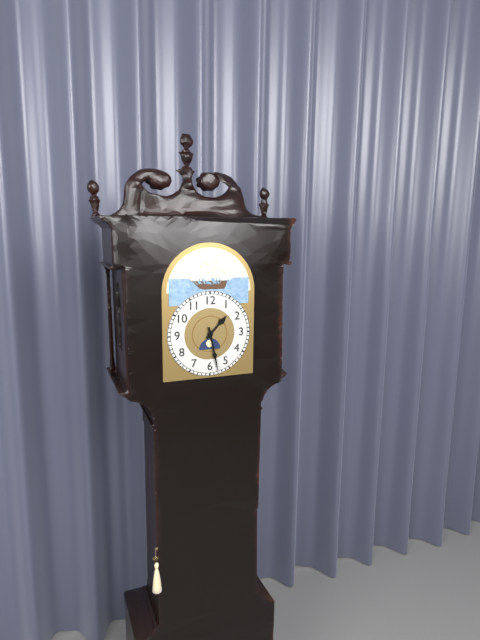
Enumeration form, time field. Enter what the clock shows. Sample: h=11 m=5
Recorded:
h=1 m=28
